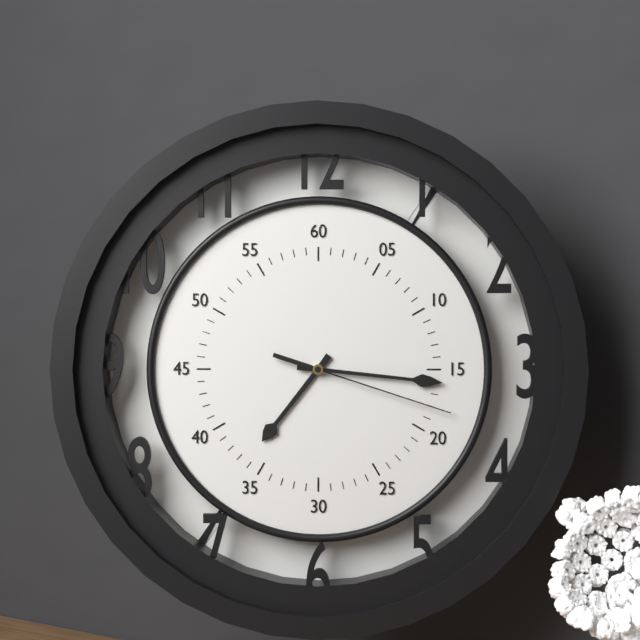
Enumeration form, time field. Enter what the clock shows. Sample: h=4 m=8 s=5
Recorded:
h=7 m=16 s=18
